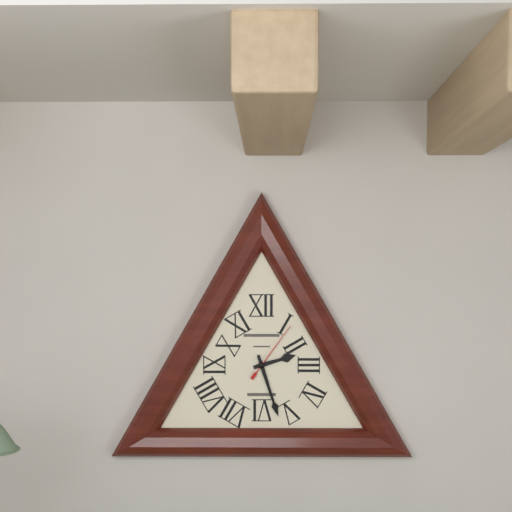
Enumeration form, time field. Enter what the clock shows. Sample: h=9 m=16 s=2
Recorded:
h=2 m=27 s=6
